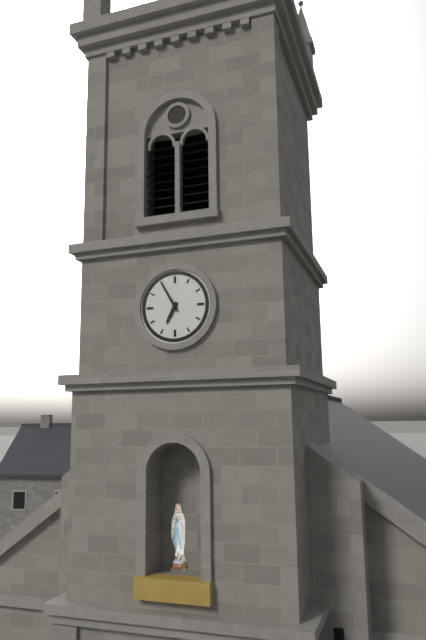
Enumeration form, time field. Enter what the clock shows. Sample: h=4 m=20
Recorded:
h=6 m=55
